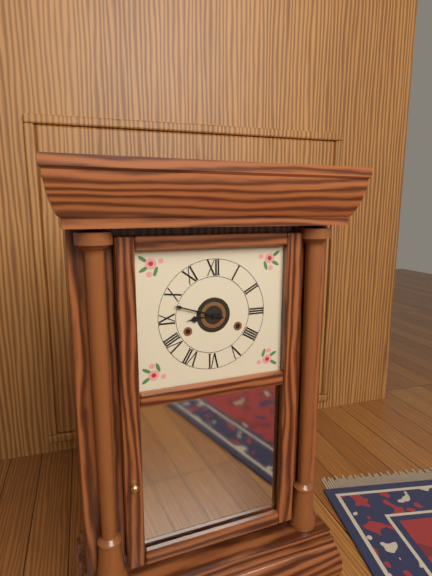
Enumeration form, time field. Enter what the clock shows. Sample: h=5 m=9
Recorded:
h=8 m=48
